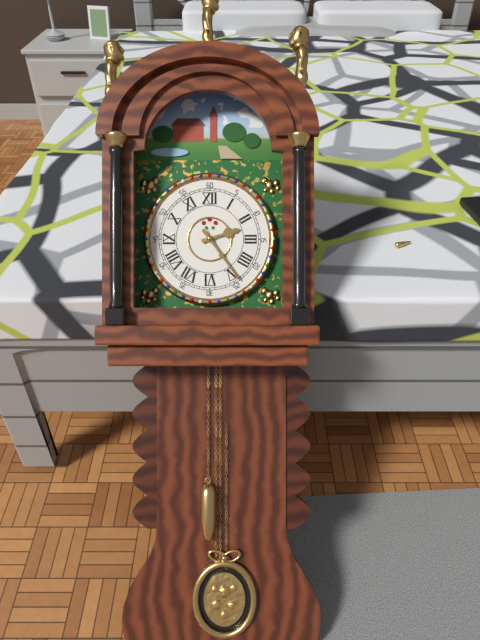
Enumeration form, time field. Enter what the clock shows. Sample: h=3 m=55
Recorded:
h=2 m=24
